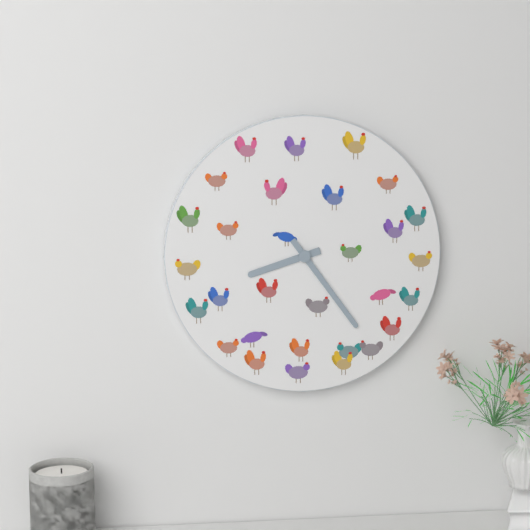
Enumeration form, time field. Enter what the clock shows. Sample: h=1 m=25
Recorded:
h=8 m=24
